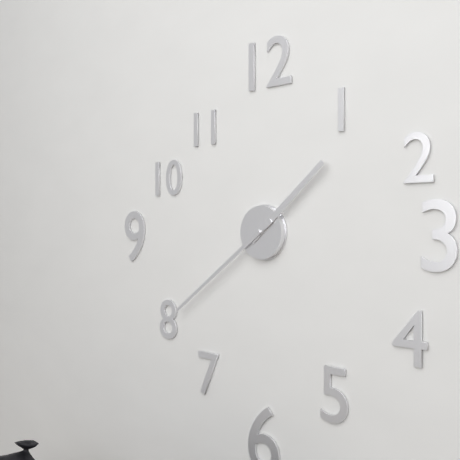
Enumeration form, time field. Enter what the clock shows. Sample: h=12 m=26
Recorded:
h=1 m=39
